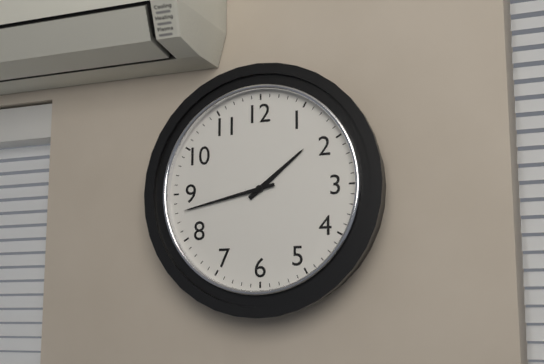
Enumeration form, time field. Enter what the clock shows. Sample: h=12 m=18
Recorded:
h=1 m=43
